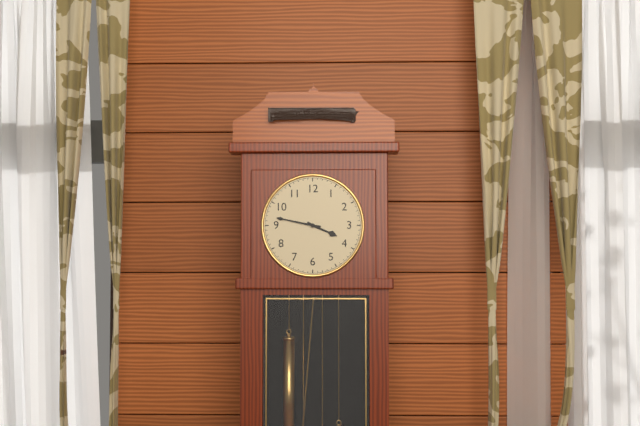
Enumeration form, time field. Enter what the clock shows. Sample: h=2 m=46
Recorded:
h=3 m=47
